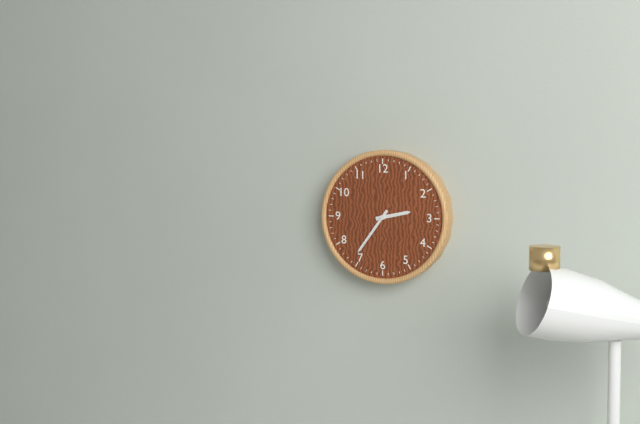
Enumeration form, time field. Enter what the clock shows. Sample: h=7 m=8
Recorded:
h=2 m=36
